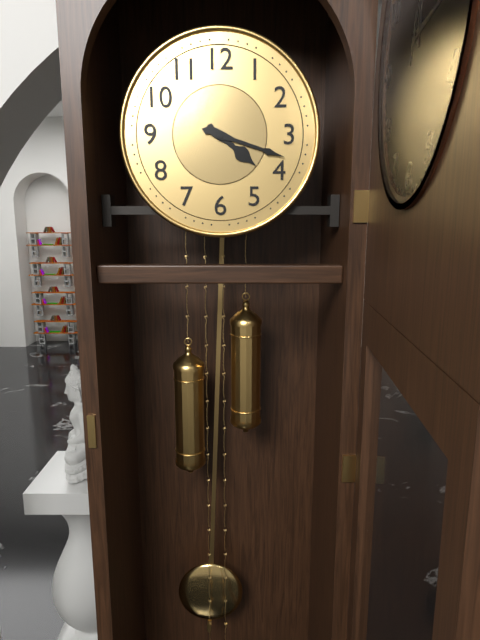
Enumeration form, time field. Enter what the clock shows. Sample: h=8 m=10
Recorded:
h=4 m=18
